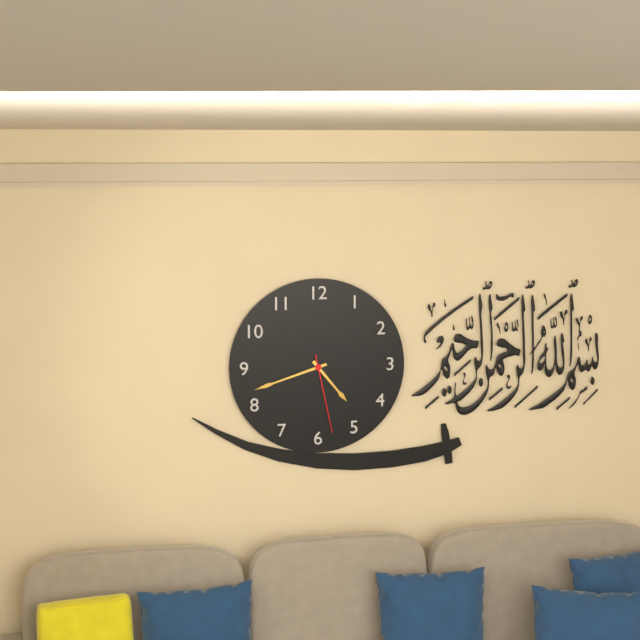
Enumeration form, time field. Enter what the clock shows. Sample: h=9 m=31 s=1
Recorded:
h=4 m=42 s=28
